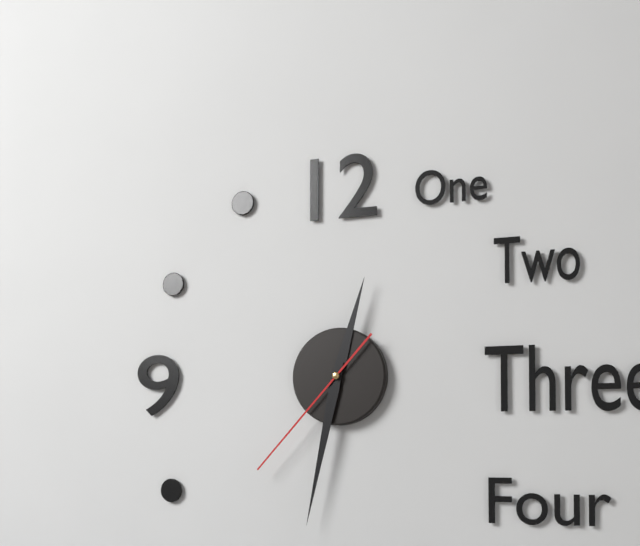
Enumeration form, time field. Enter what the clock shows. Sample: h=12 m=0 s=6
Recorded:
h=12 m=32 s=37
